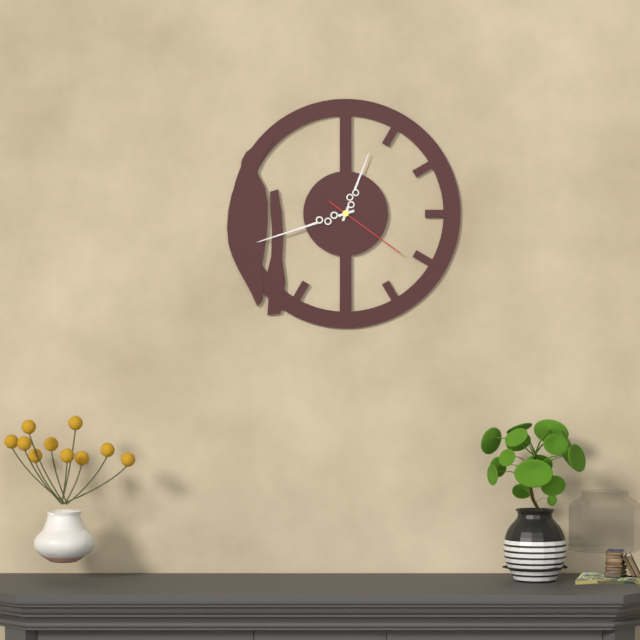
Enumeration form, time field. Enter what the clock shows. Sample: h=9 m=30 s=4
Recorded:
h=12 m=42 s=21
